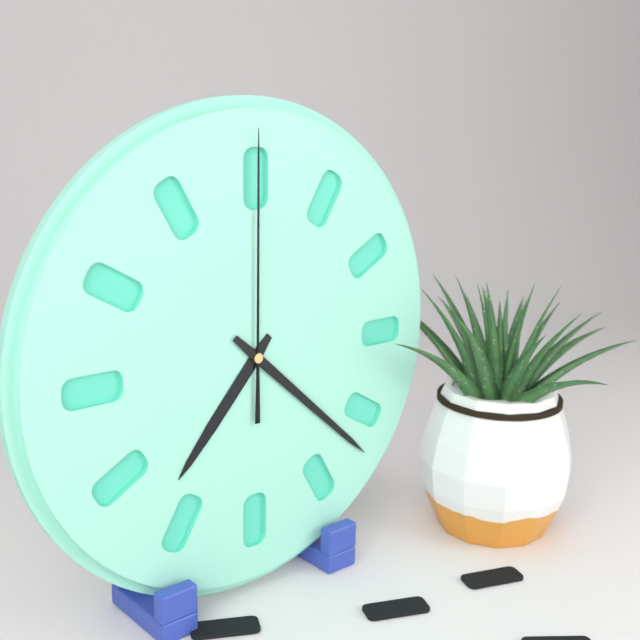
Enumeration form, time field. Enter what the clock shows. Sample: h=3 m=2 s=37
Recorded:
h=7 m=22 s=0
